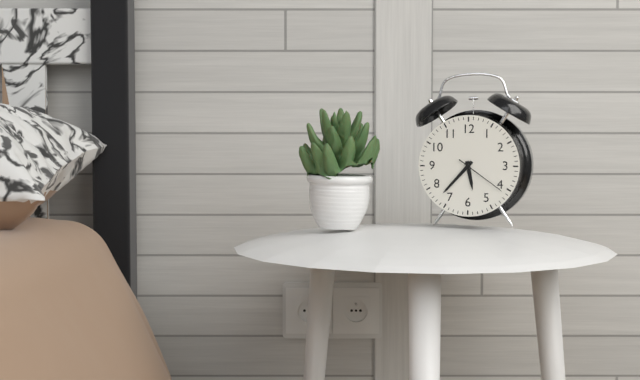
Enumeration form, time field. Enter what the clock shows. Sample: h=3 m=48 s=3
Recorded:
h=5 m=37 s=21
